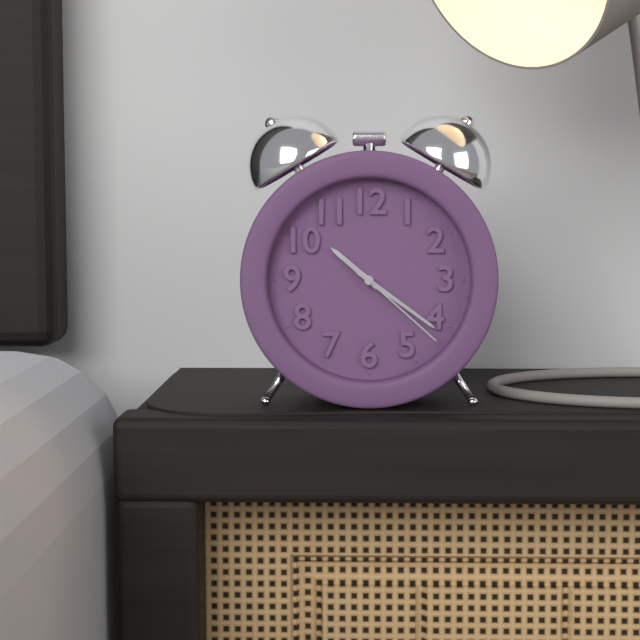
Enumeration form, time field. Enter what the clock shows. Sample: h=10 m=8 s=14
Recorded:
h=10 m=21 s=22
